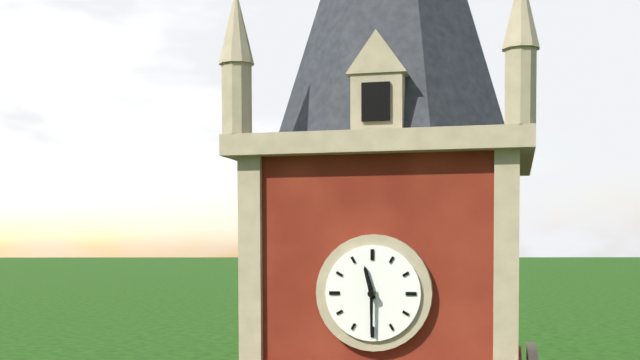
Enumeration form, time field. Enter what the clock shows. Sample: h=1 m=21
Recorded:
h=11 m=30
